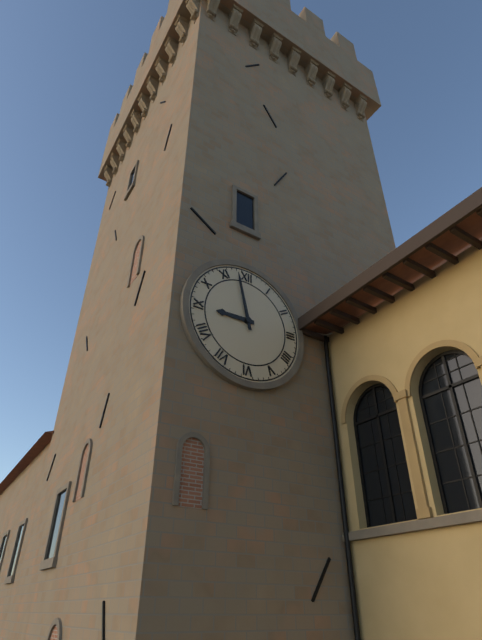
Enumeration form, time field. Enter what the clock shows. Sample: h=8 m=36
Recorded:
h=8 m=58
